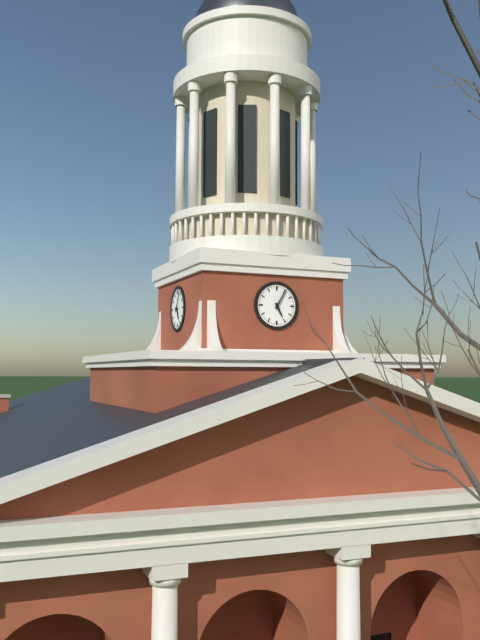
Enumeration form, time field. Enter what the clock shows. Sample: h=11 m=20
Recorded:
h=5 m=5
